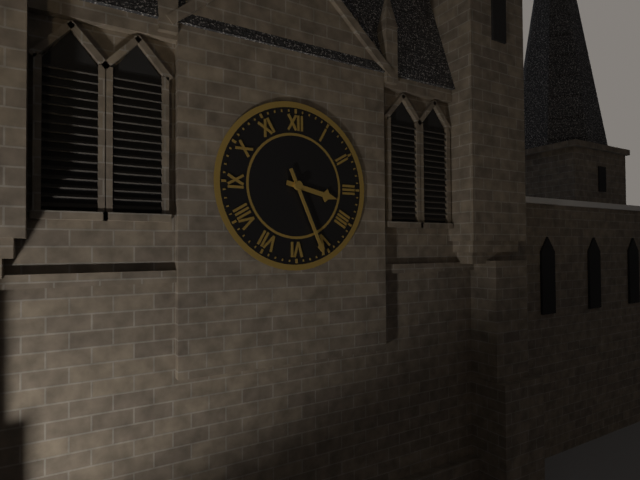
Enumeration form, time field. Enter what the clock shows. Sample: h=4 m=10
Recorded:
h=3 m=26
